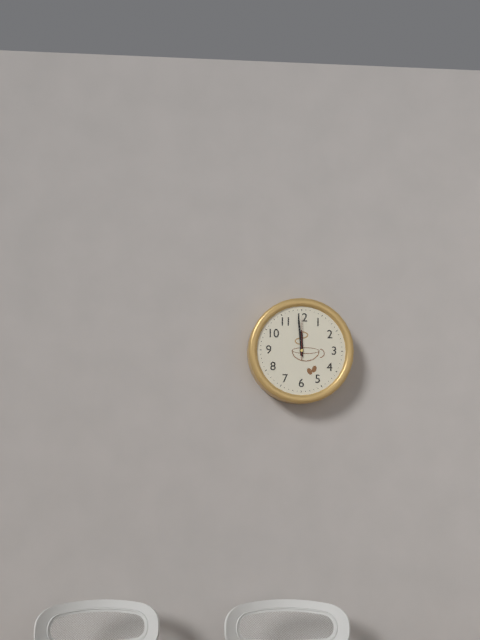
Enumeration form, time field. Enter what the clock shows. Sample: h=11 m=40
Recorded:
h=11 m=59
